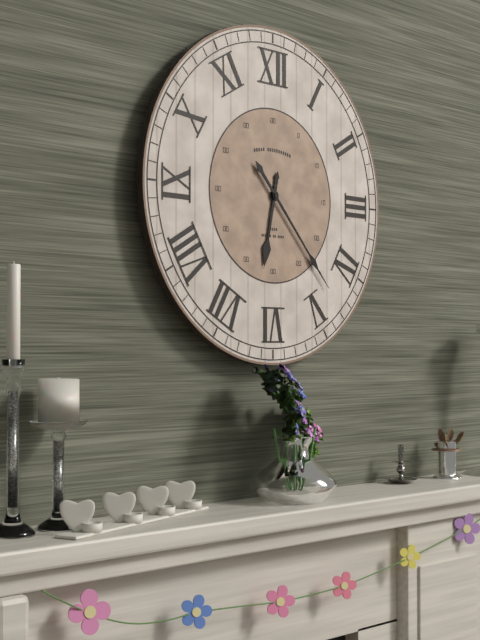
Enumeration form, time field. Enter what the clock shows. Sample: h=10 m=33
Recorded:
h=6 m=23
